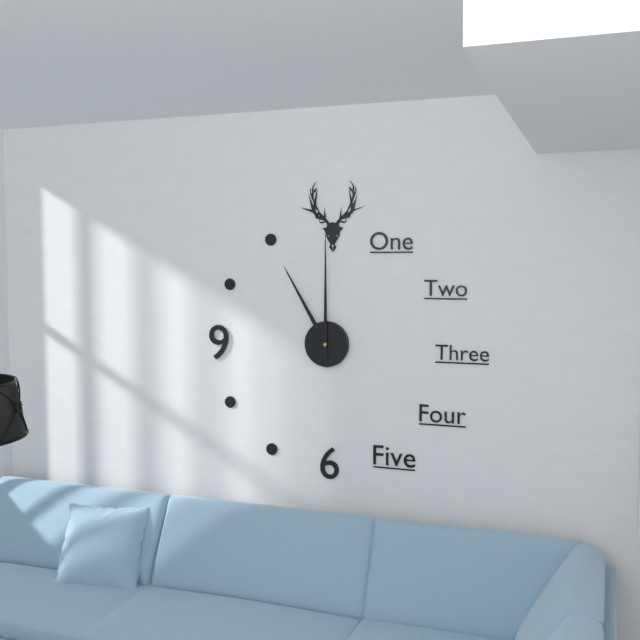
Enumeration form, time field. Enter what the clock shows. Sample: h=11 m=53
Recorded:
h=11 m=0
